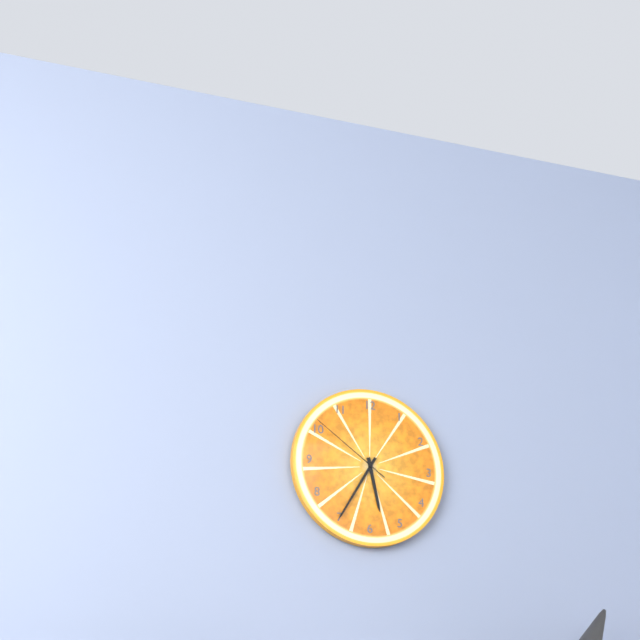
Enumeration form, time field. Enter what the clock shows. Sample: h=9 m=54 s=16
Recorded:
h=5 m=35 s=51
